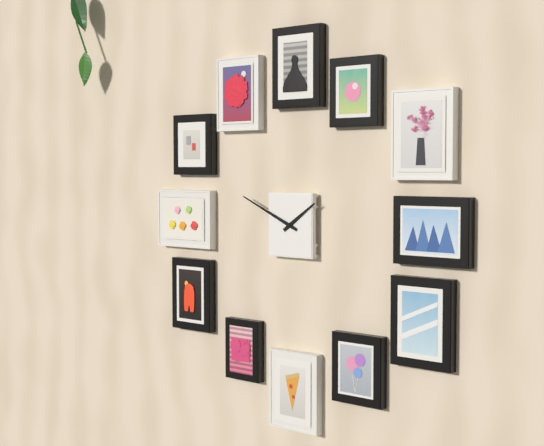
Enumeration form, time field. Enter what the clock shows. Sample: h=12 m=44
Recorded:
h=1 m=49
